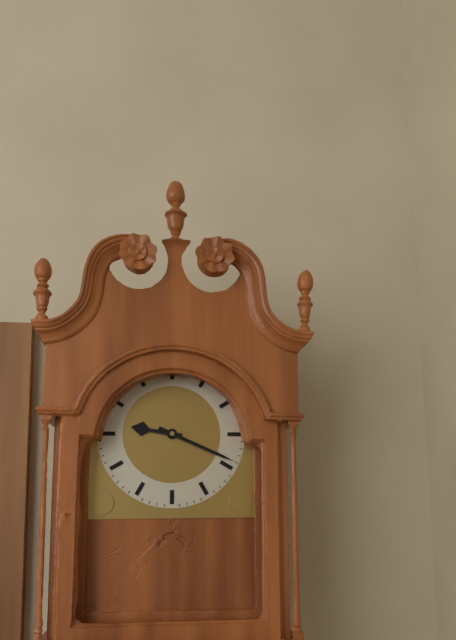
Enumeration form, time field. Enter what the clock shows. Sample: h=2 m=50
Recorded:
h=9 m=19
